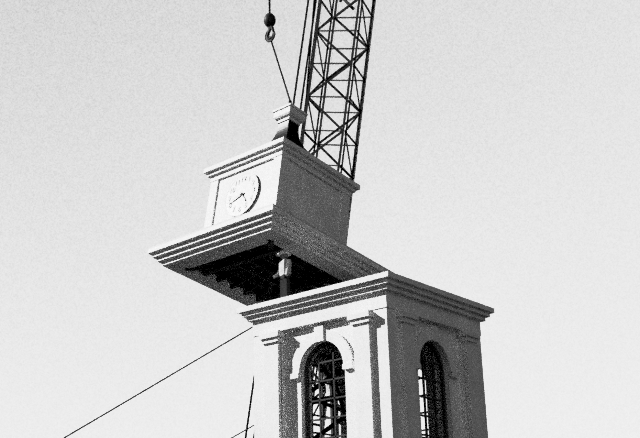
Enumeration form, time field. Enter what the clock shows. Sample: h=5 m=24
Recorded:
h=4 m=42
